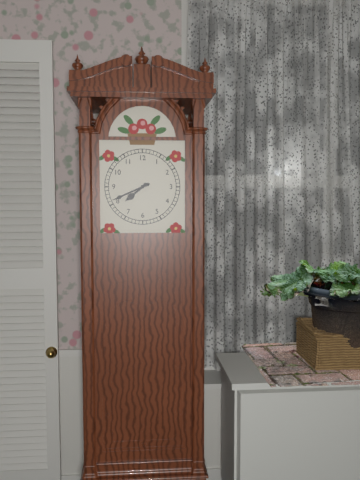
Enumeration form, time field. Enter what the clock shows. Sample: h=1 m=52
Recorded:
h=7 m=41
